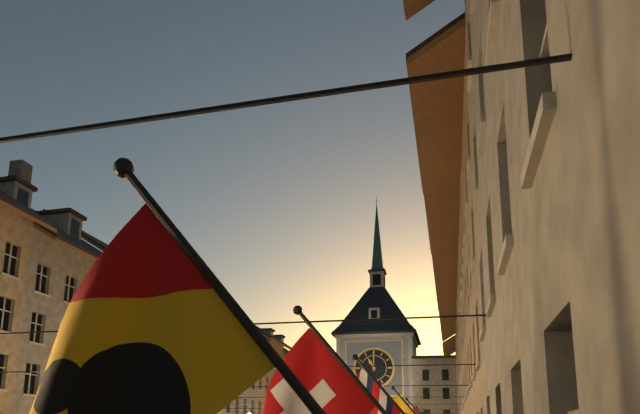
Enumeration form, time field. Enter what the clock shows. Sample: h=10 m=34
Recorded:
h=11 m=0
